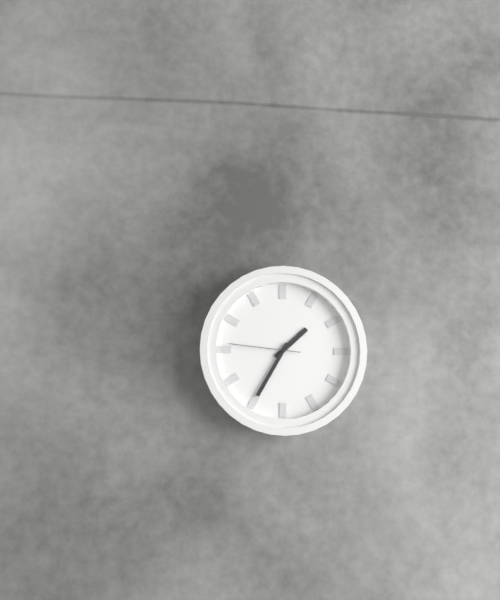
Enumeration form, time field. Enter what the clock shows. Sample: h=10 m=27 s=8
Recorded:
h=1 m=35 s=46
